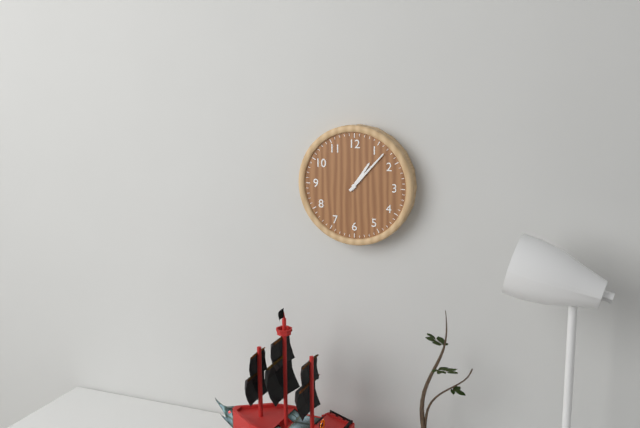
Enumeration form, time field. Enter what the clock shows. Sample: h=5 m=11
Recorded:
h=1 m=7
